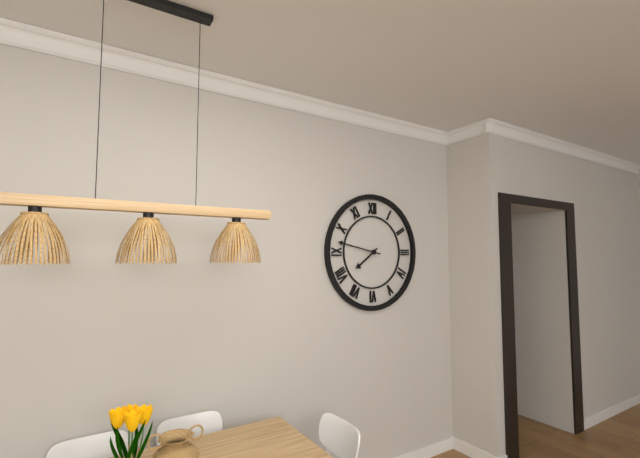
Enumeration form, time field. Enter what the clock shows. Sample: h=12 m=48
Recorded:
h=7 m=47
